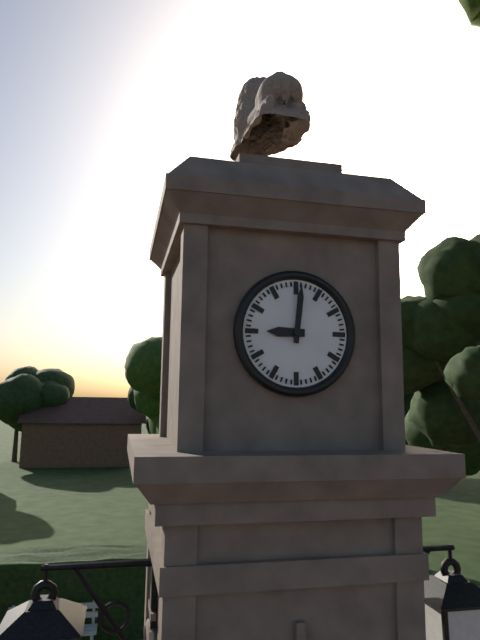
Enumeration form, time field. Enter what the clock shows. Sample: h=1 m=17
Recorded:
h=9 m=1
